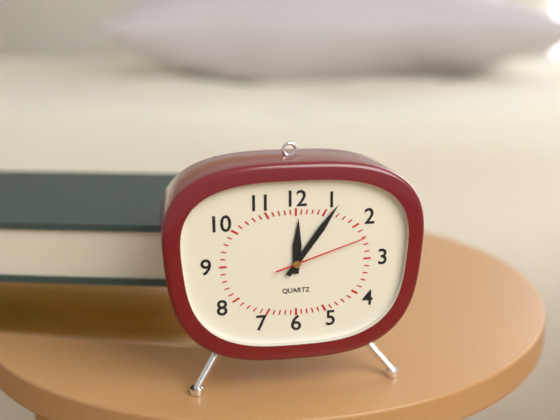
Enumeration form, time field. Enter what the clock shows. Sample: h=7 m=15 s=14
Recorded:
h=12 m=6 s=12
